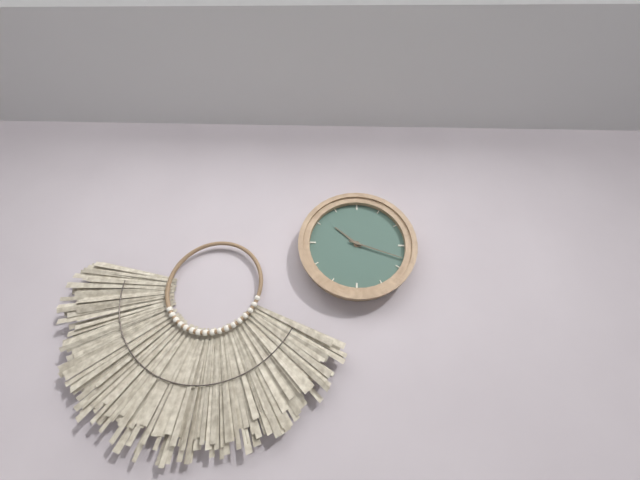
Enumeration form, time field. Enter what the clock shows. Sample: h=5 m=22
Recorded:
h=10 m=18
